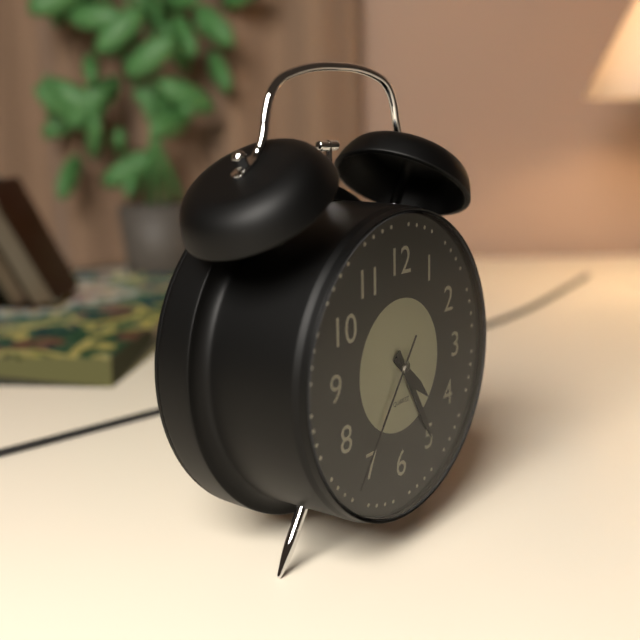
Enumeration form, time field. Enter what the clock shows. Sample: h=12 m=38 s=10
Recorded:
h=4 m=25 s=36
